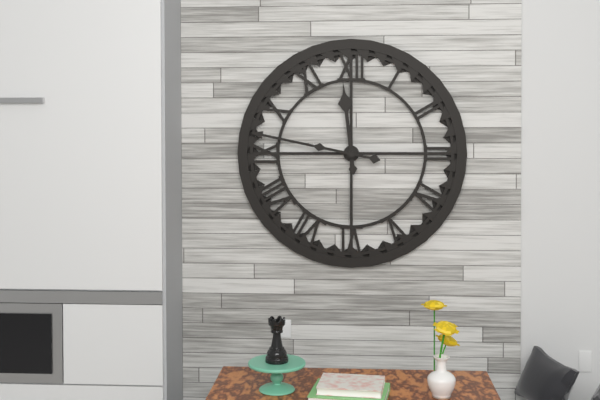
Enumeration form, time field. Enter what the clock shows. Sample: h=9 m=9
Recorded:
h=11 m=47
